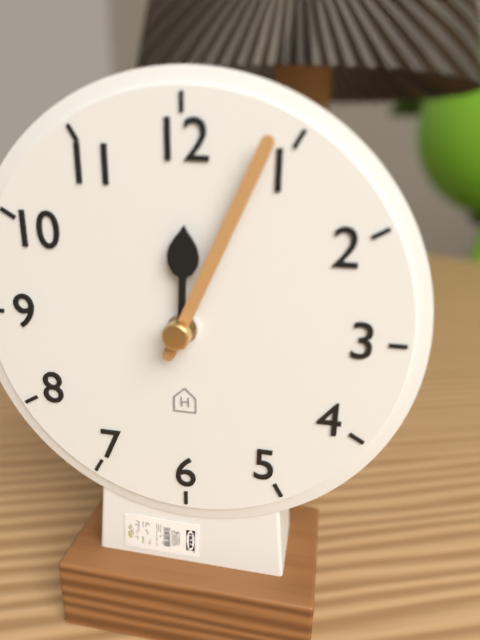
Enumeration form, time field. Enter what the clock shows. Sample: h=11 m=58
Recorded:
h=12 m=4
